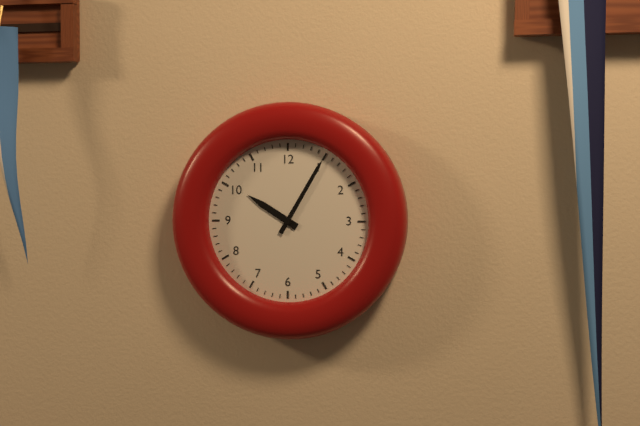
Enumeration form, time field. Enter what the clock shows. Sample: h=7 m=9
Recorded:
h=10 m=5
